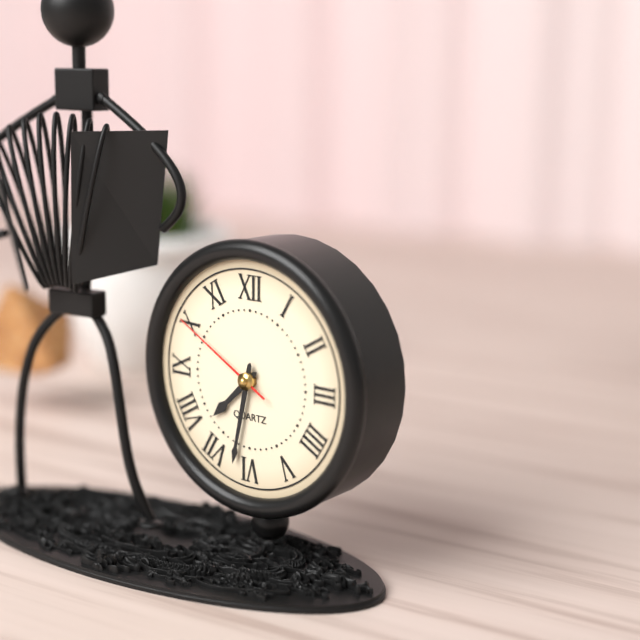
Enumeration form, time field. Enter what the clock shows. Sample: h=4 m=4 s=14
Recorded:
h=7 m=32 s=50
